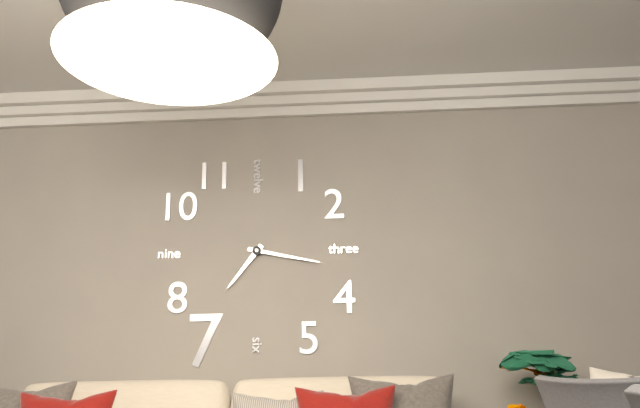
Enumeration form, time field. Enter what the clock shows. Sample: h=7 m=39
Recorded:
h=7 m=17
